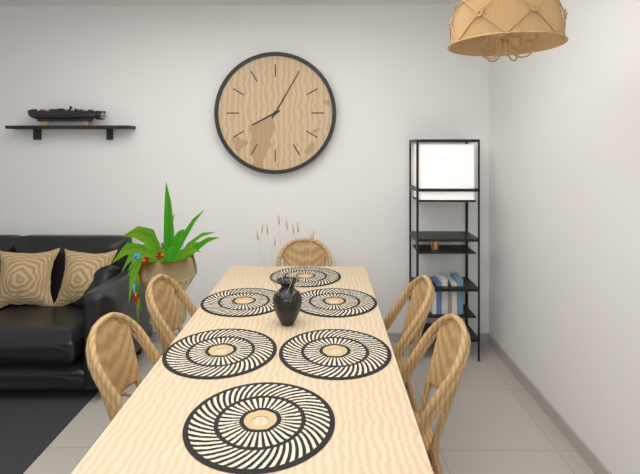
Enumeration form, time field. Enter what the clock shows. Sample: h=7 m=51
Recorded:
h=8 m=5
